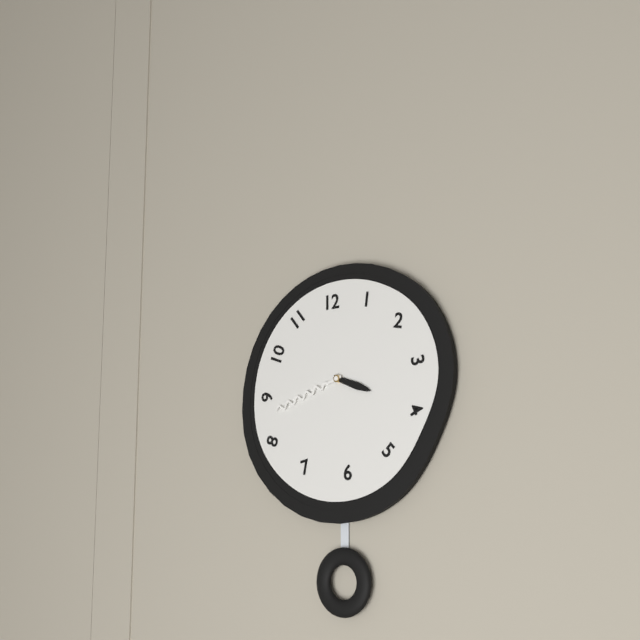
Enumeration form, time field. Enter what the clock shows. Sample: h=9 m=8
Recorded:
h=3 m=42
